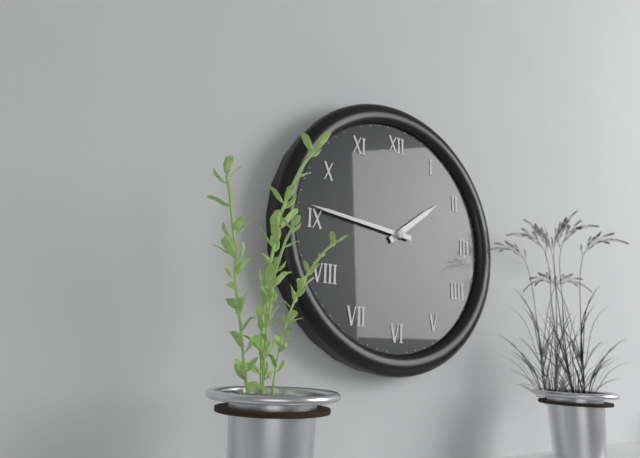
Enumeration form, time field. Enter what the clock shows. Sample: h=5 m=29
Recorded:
h=1 m=46
